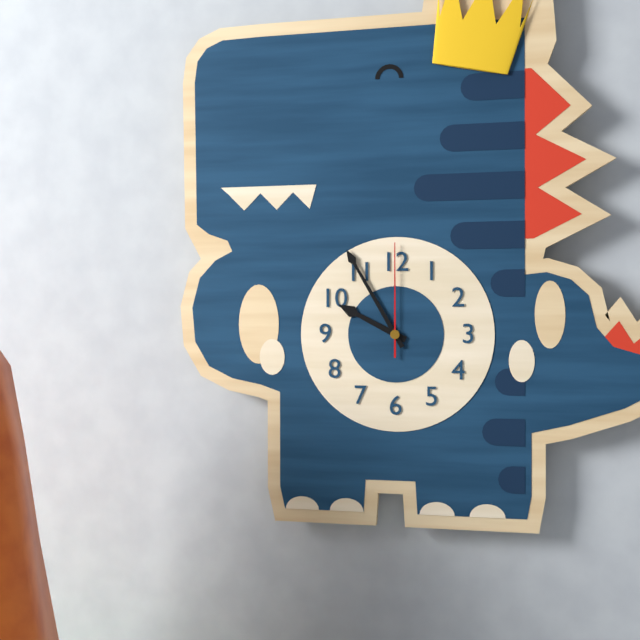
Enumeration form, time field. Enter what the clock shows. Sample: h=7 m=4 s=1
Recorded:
h=9 m=55 s=0
